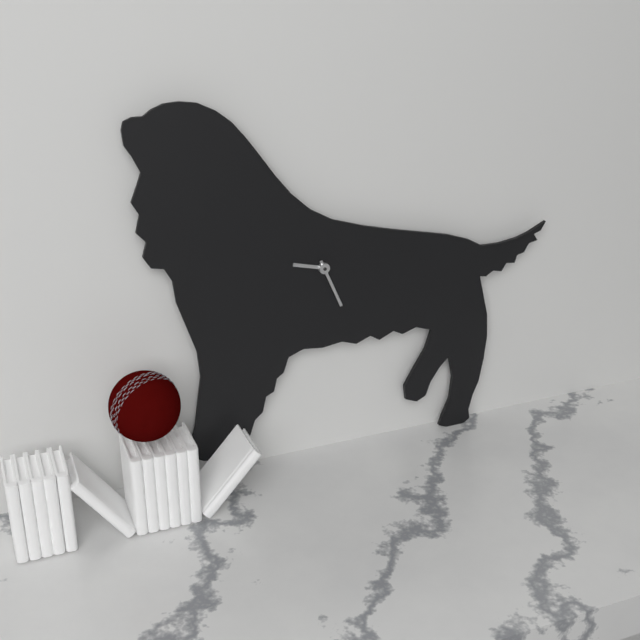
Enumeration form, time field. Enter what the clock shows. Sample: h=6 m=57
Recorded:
h=9 m=26
